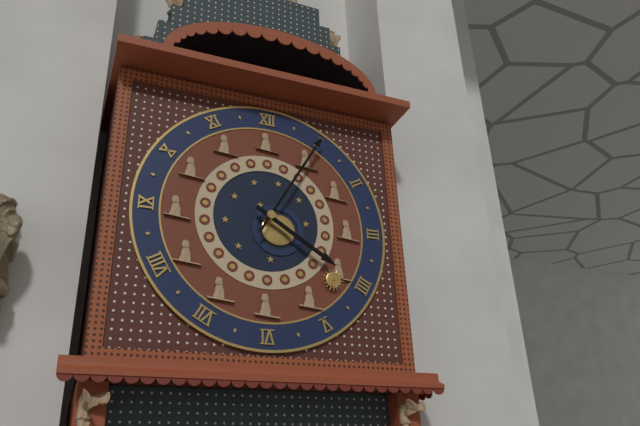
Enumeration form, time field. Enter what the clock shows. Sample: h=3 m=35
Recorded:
h=4 m=5
